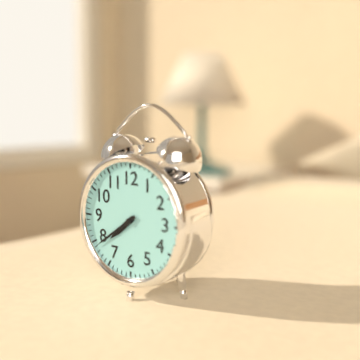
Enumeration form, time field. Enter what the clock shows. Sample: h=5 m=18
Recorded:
h=7 m=39
